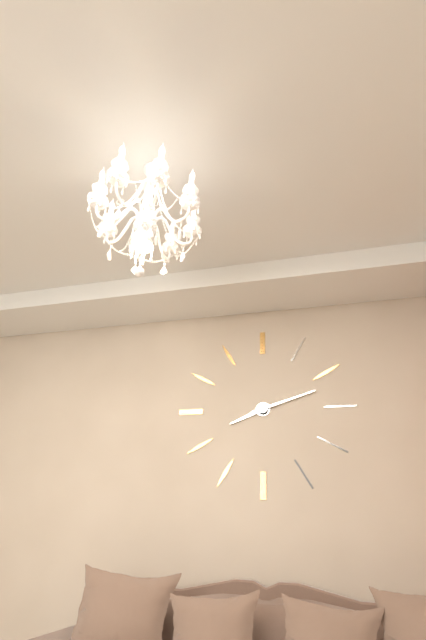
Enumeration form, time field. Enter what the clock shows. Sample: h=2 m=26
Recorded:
h=8 m=12
